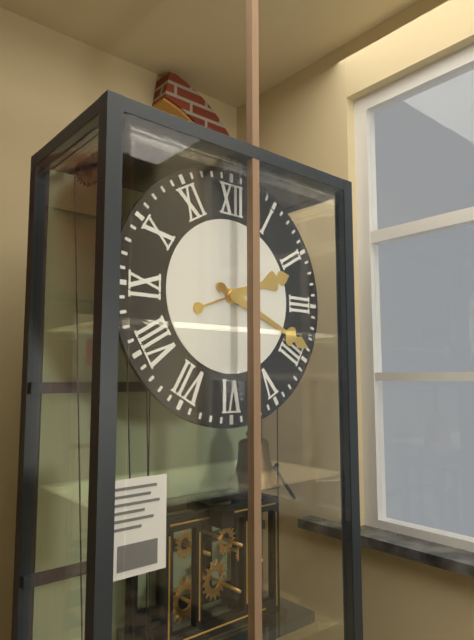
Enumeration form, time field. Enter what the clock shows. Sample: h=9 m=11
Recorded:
h=2 m=19
